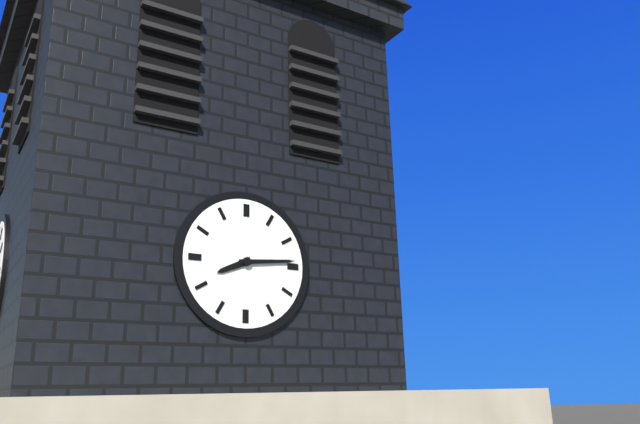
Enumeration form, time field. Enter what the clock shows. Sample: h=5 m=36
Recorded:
h=8 m=14
